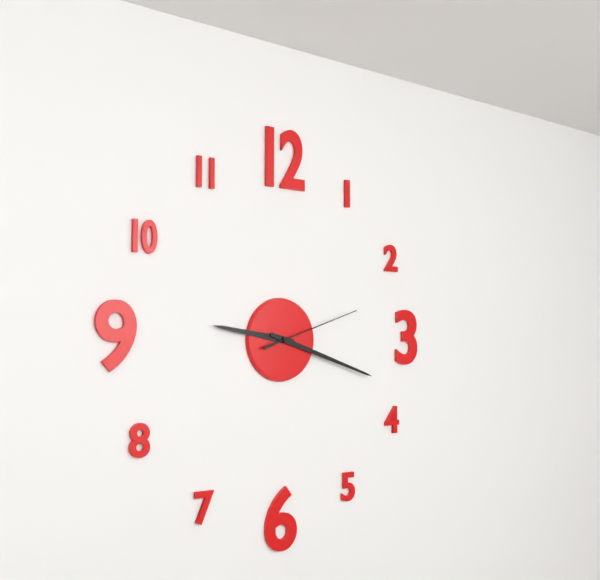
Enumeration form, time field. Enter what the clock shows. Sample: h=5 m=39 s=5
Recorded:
h=9 m=18 s=12
